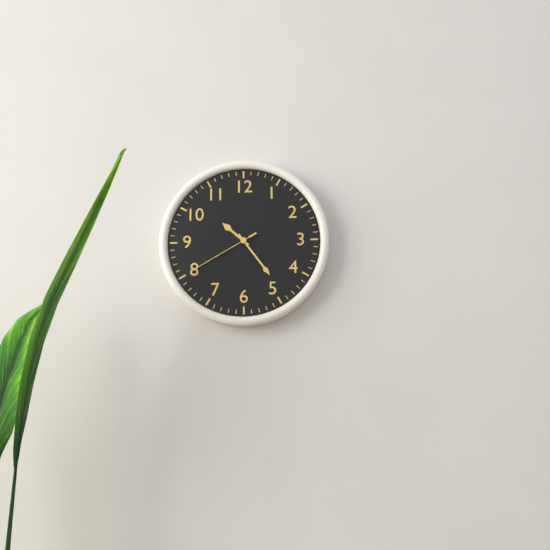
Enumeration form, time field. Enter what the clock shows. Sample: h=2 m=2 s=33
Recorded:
h=10 m=24 s=40
